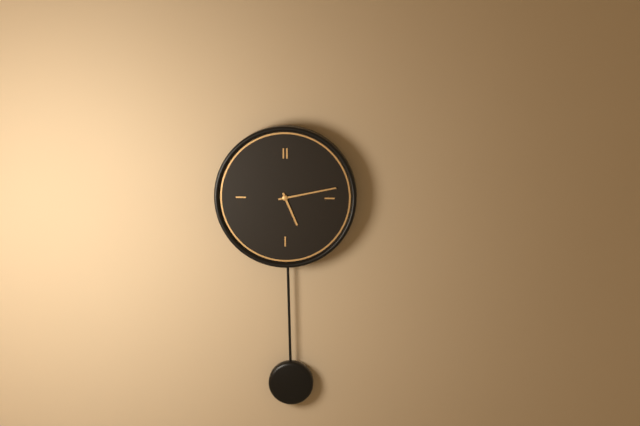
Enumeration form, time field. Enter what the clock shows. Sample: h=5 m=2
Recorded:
h=5 m=13
